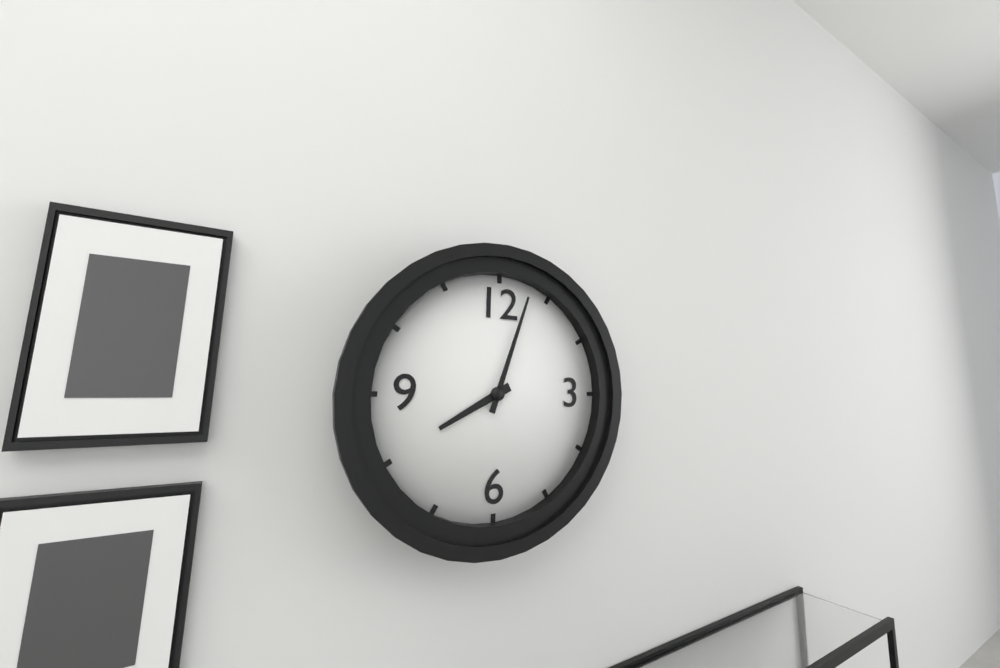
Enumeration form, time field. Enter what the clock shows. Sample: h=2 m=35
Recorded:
h=8 m=3
